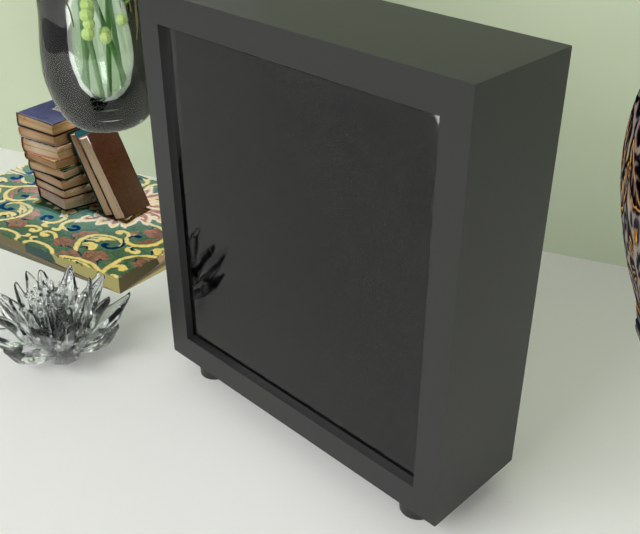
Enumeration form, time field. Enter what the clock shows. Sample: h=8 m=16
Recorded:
h=12 m=53
